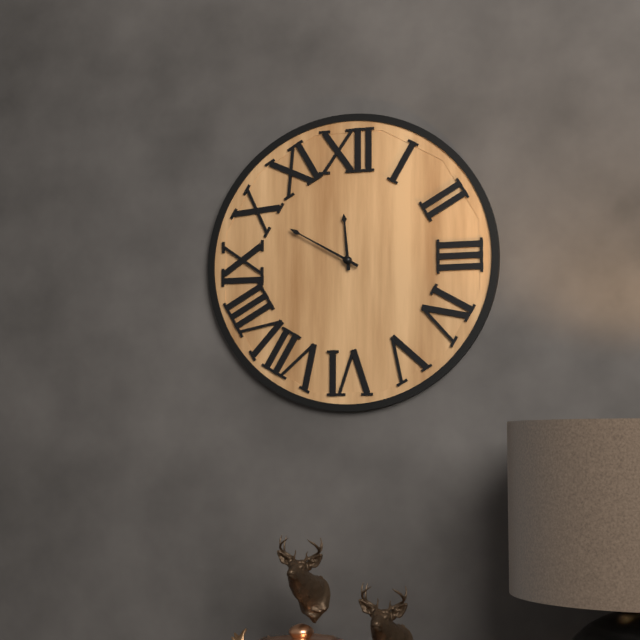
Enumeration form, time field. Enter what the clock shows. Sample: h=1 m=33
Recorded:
h=11 m=50
